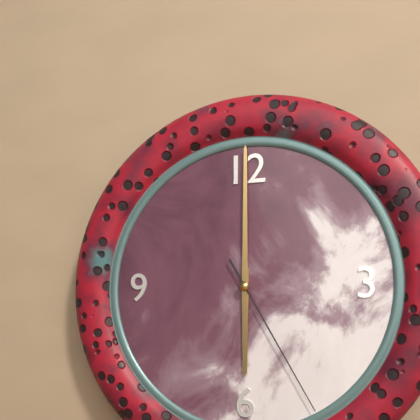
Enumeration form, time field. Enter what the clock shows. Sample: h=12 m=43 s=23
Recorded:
h=6 m=0 s=25
